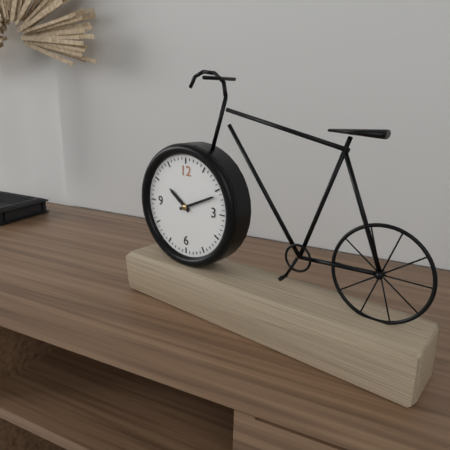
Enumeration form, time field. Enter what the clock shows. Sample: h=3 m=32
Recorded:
h=10 m=11
